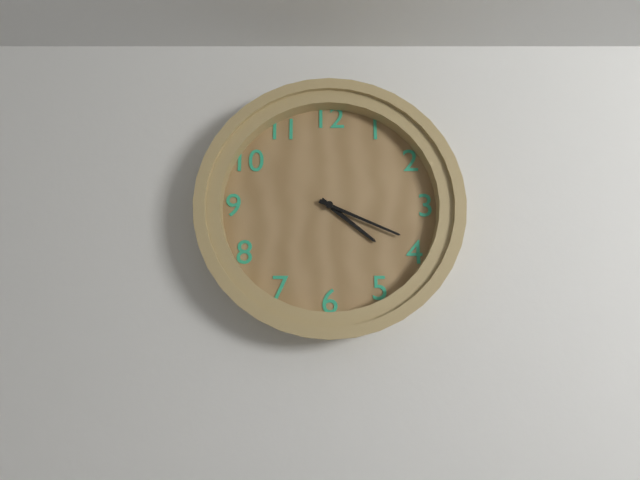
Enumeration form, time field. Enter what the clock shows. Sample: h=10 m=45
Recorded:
h=4 m=19
